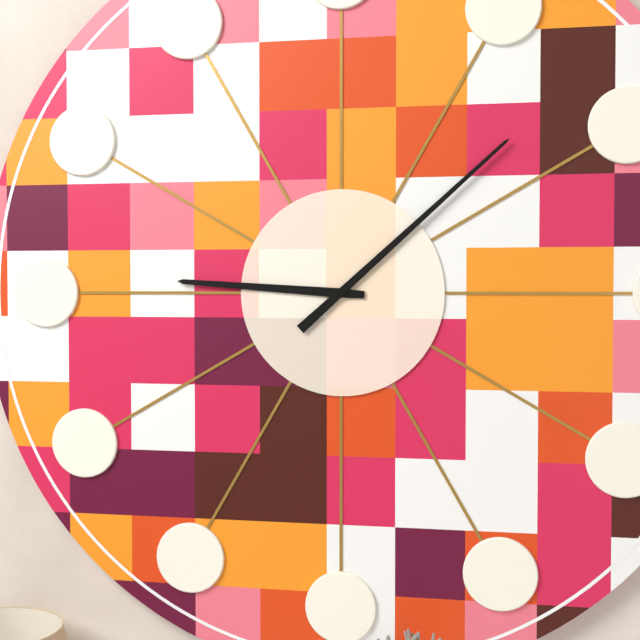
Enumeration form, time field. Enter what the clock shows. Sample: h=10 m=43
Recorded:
h=9 m=8
